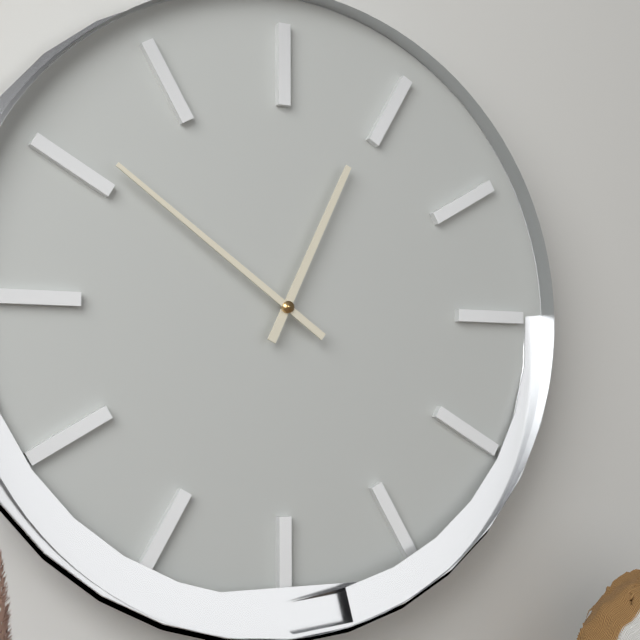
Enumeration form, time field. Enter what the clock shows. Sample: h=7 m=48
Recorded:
h=12 m=51
